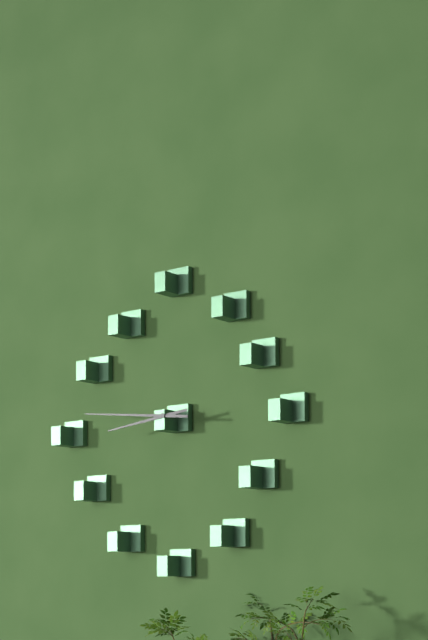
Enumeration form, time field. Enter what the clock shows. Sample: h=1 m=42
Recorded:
h=8 m=46
